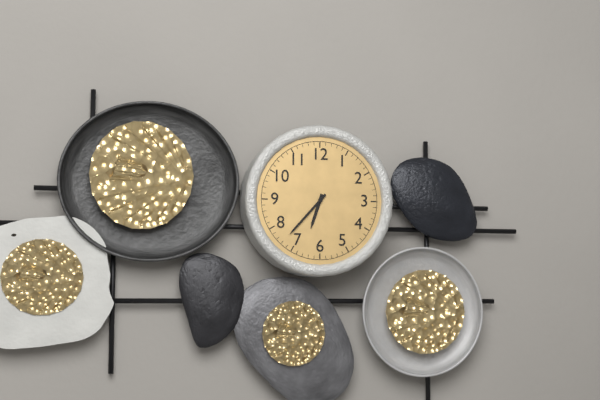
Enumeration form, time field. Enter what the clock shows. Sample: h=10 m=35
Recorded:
h=6 m=37
